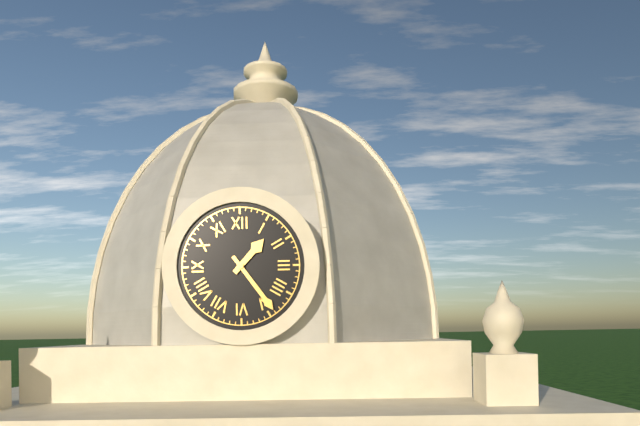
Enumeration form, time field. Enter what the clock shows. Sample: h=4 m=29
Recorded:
h=1 m=24
